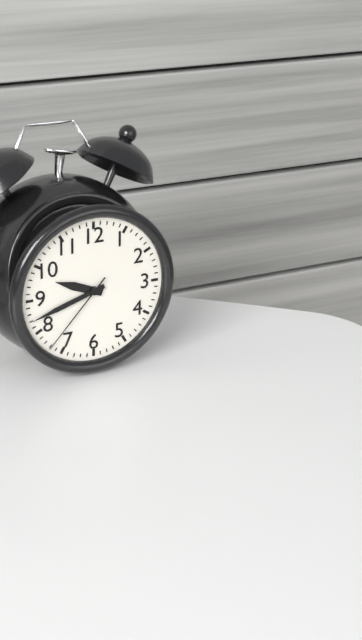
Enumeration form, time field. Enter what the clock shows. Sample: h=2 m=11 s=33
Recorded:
h=9 m=42 s=37
